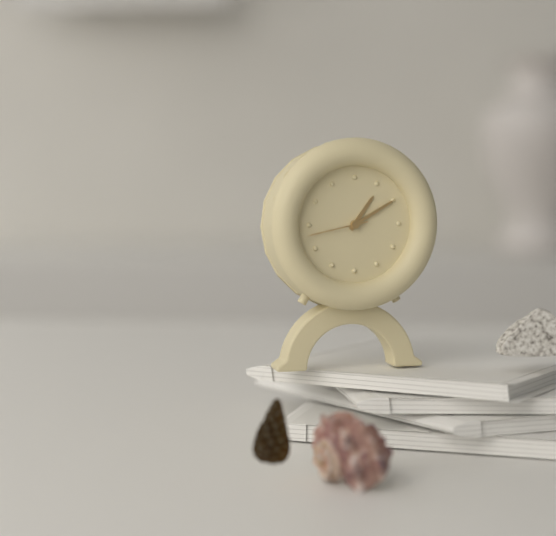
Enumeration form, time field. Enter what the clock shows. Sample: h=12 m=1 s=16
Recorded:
h=1 m=10 s=43
